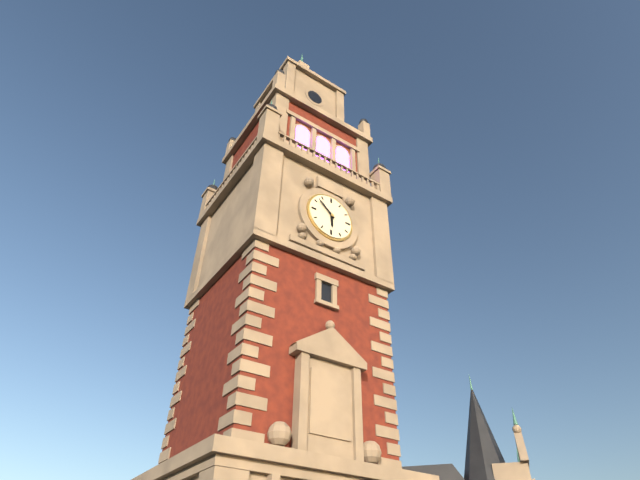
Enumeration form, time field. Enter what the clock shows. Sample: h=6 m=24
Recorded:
h=5 m=52
